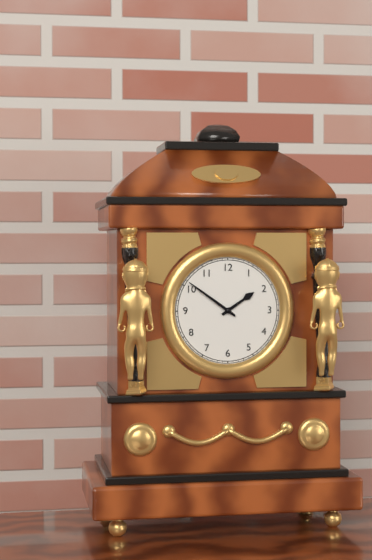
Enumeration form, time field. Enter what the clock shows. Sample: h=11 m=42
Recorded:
h=1 m=51
